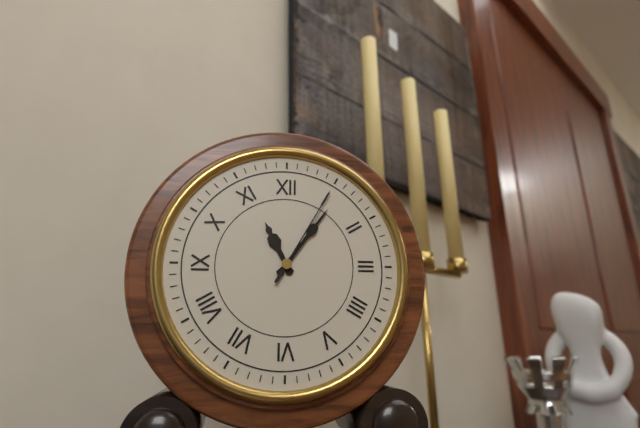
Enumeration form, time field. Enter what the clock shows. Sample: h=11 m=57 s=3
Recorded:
h=11 m=6 s=5
